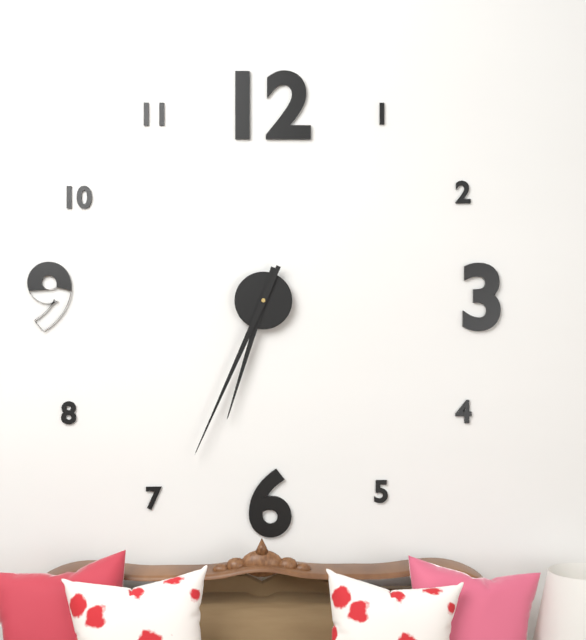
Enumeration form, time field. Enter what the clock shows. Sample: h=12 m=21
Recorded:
h=6 m=34
